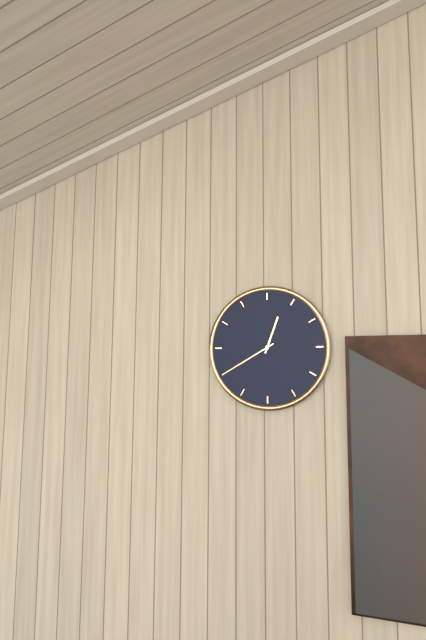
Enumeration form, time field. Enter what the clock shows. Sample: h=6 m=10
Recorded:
h=12 m=40
